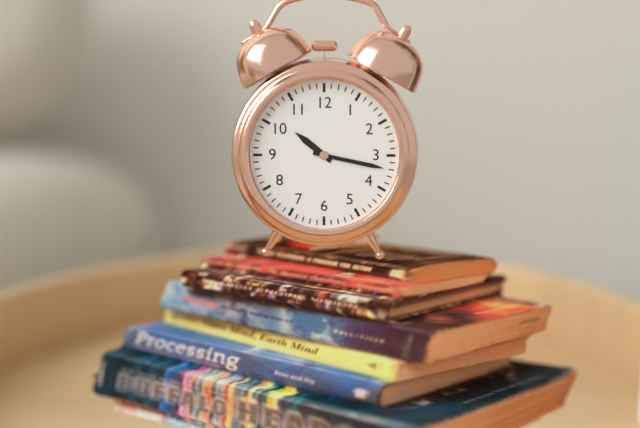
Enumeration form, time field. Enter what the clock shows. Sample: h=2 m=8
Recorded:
h=10 m=17
